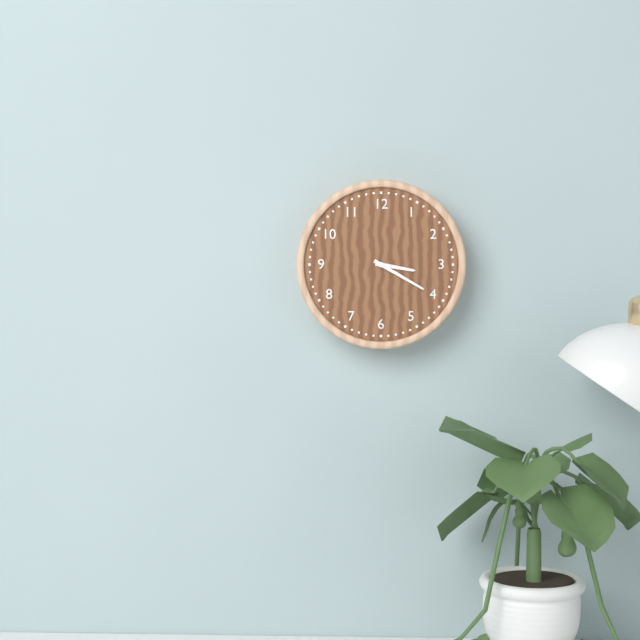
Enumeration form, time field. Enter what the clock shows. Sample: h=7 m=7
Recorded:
h=3 m=20
